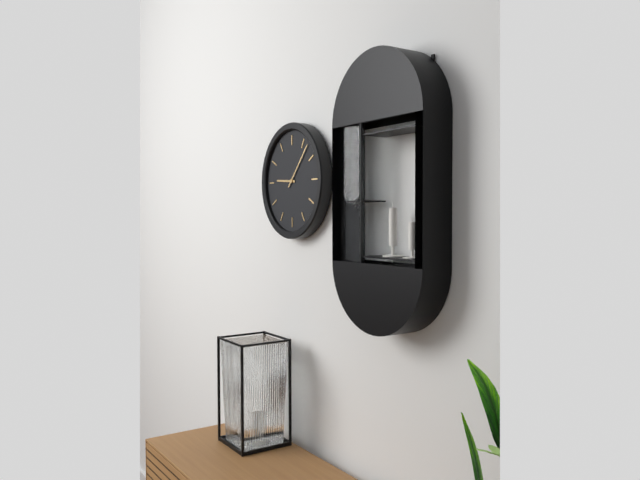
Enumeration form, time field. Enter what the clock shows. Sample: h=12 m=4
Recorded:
h=9 m=7
